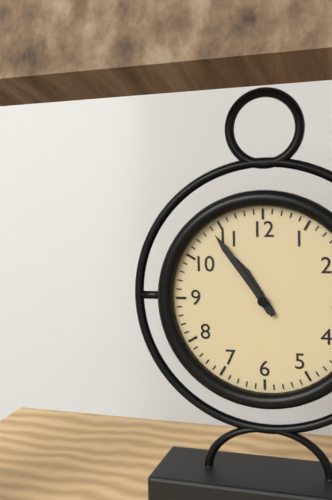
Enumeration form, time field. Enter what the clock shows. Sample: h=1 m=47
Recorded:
h=10 m=54
